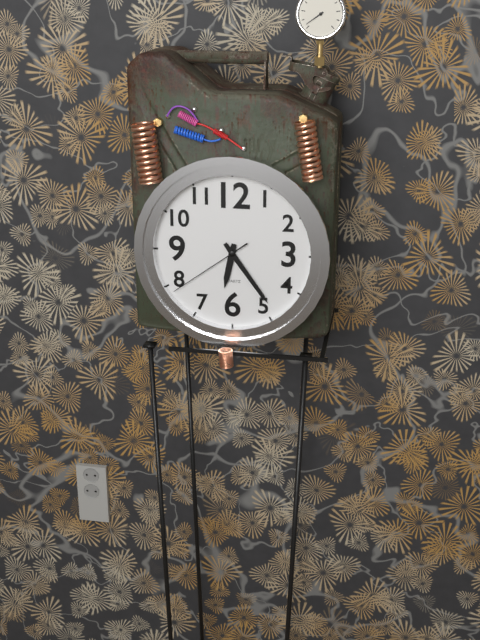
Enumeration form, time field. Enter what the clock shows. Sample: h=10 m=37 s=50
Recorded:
h=6 m=24 s=39
